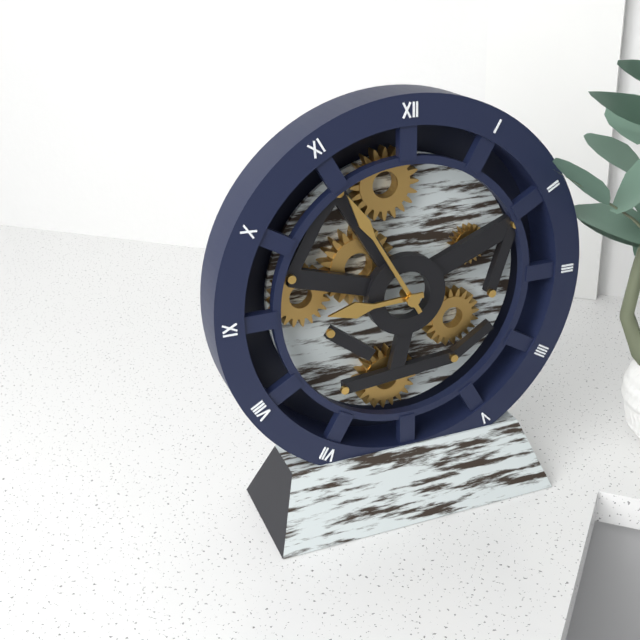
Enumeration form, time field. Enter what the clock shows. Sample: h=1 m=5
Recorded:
h=8 m=55
